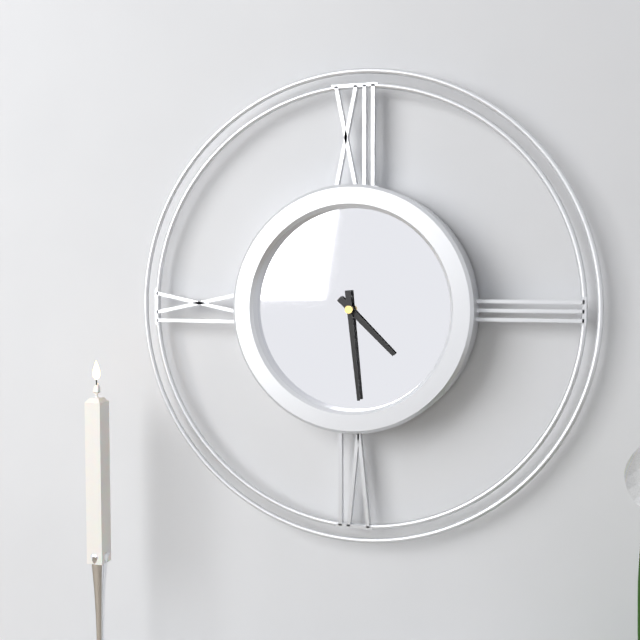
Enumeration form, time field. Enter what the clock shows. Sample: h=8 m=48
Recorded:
h=4 m=29
